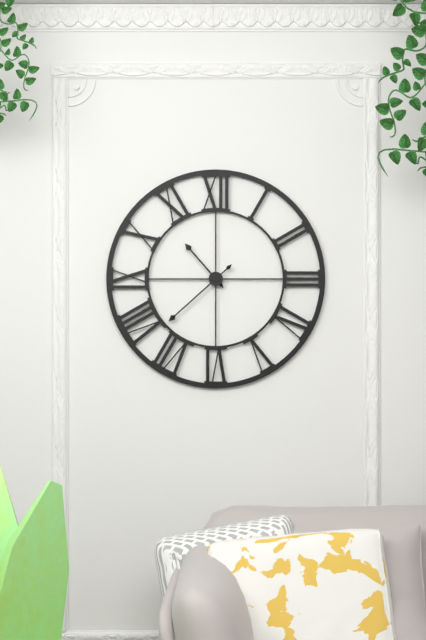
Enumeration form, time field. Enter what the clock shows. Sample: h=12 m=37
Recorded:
h=10 m=38
